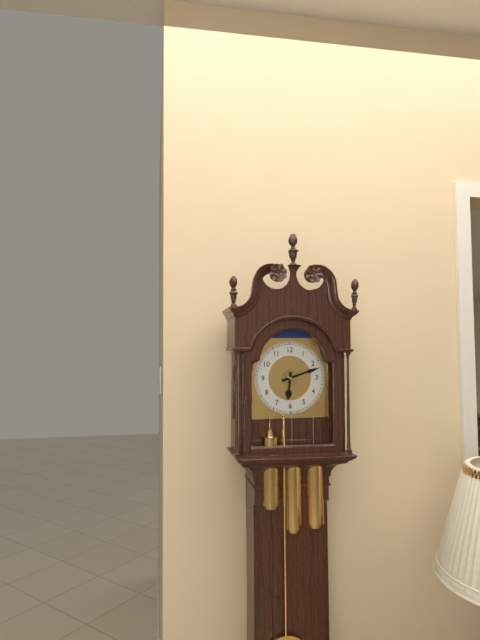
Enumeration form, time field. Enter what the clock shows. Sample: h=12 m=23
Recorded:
h=6 m=12
